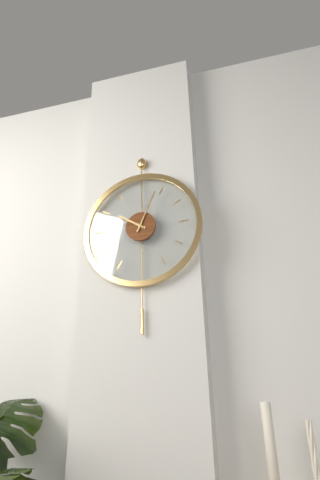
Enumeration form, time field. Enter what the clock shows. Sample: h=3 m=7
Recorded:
h=10 m=4
